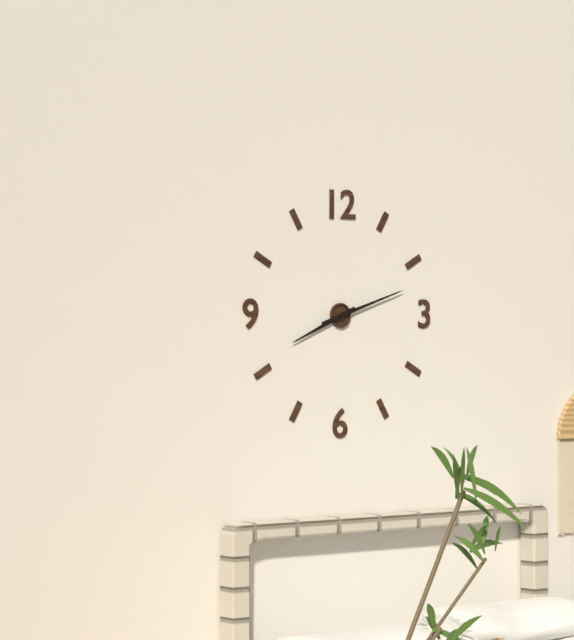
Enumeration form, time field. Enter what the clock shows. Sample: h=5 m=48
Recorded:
h=8 m=12
